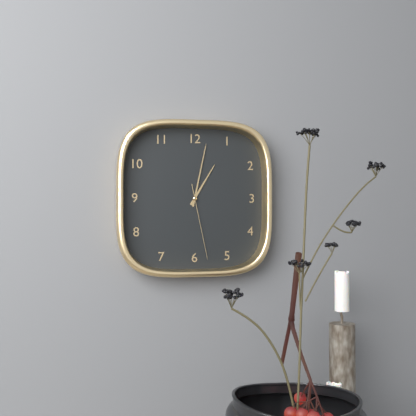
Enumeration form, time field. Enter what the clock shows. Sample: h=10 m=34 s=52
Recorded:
h=1 m=2 s=28
